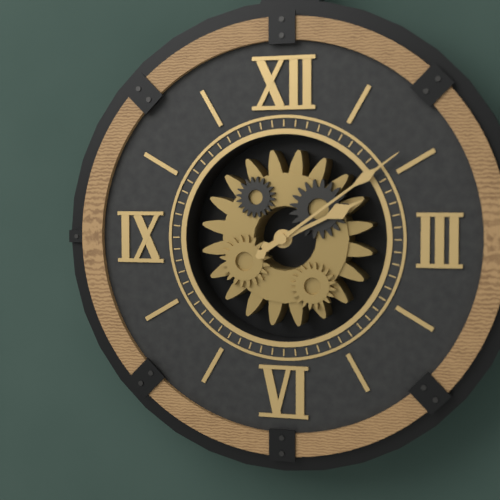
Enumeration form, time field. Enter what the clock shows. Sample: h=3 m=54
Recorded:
h=2 m=9
